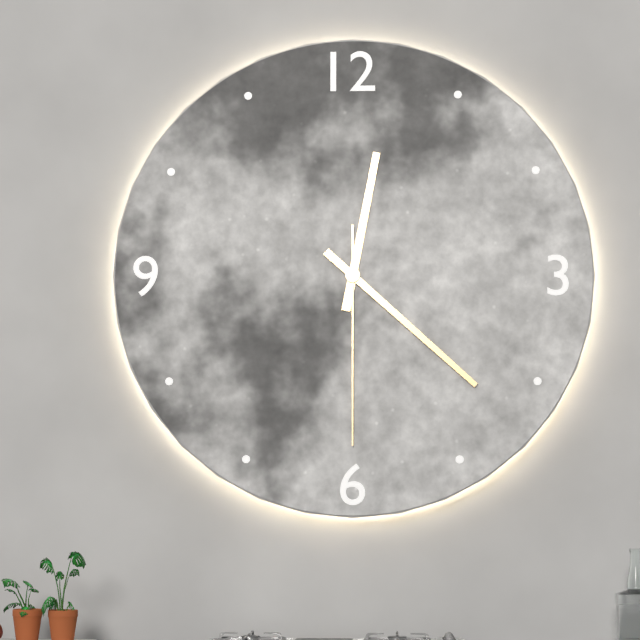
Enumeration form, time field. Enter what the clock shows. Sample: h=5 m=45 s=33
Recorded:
h=12 m=22 s=30
